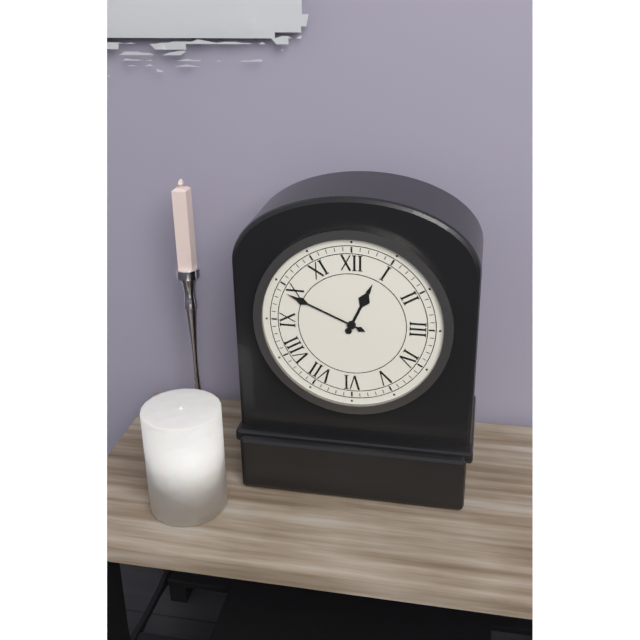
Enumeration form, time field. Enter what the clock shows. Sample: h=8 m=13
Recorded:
h=12 m=49
